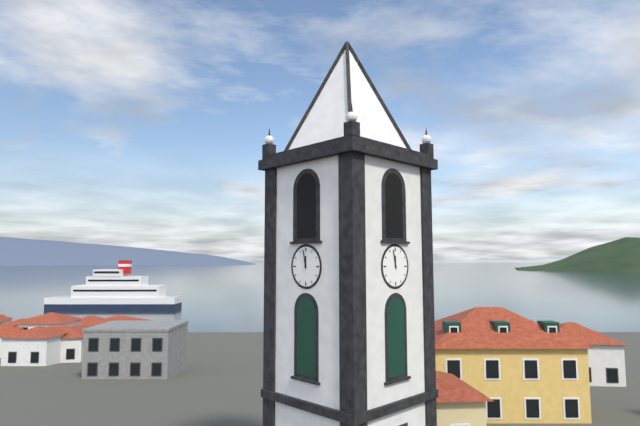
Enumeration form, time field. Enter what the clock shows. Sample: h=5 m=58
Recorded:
h=11 m=58
